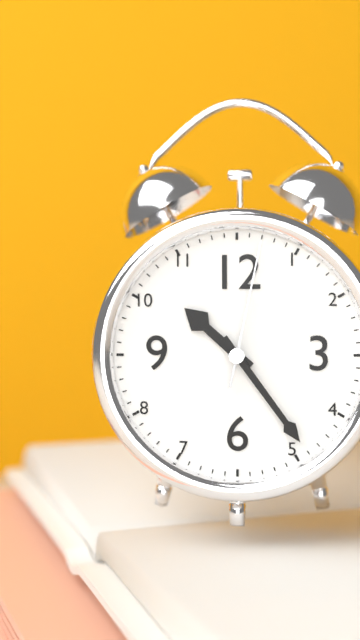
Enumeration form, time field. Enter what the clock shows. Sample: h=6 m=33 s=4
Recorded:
h=10 m=24 s=2
